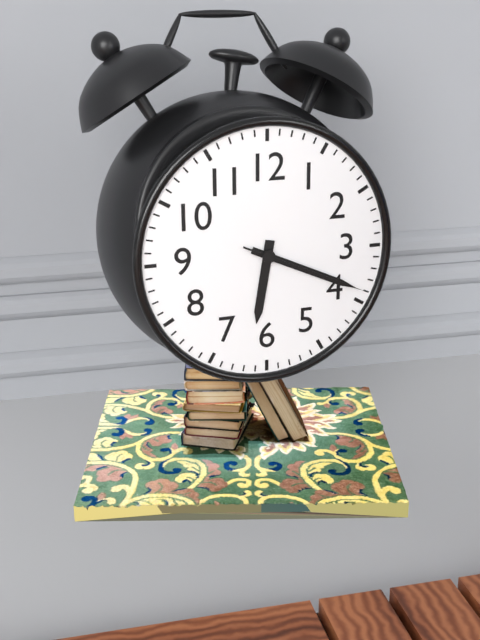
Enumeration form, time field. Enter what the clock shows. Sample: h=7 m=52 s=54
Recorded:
h=6 m=19 s=19
